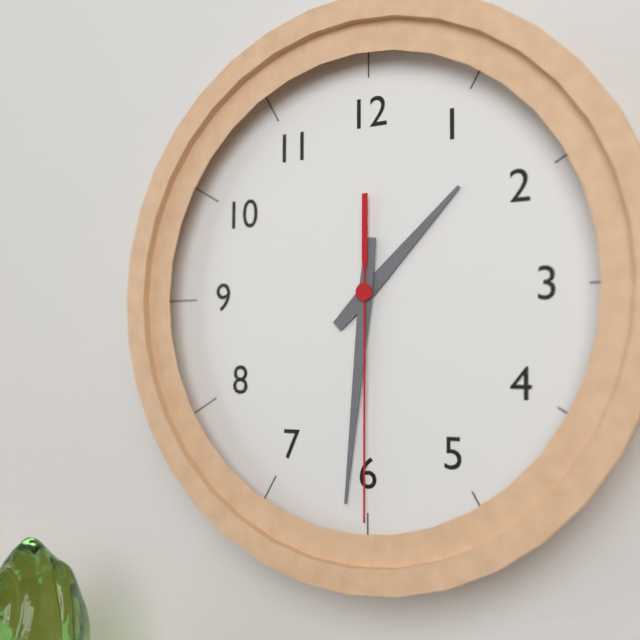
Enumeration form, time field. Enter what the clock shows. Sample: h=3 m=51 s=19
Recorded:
h=1 m=31 s=30
